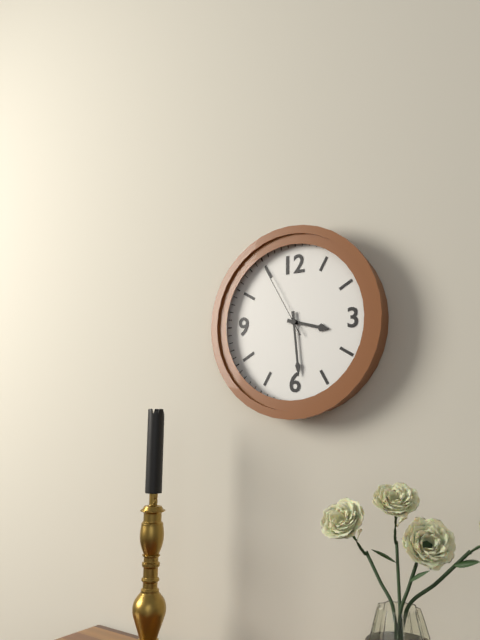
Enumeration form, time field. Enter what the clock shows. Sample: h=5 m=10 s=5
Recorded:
h=3 m=29 s=55
